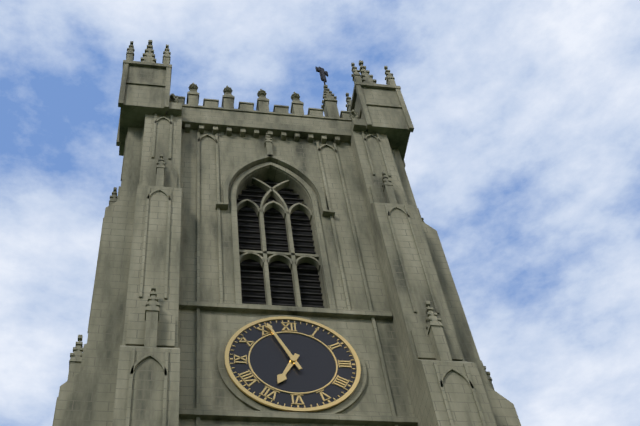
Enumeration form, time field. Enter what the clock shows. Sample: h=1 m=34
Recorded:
h=6 m=56
